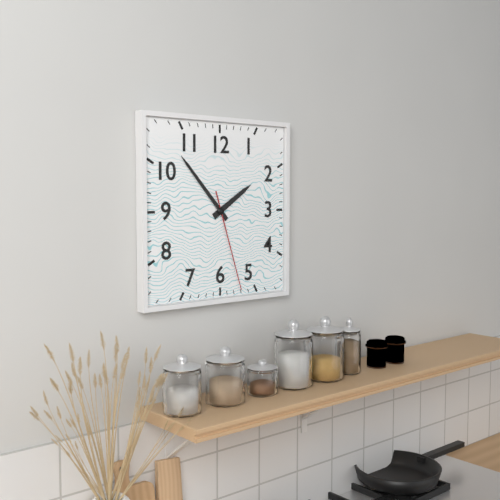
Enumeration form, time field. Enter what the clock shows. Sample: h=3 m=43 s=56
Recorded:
h=1 m=53 s=27
